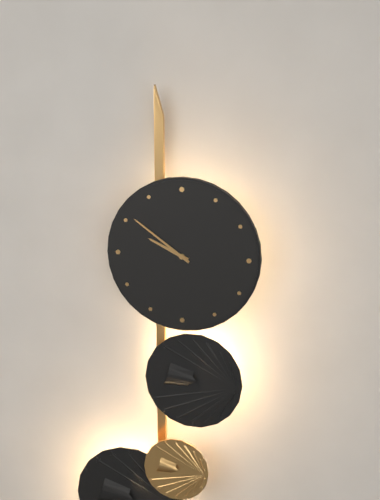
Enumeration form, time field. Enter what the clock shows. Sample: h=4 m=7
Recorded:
h=9 m=51
